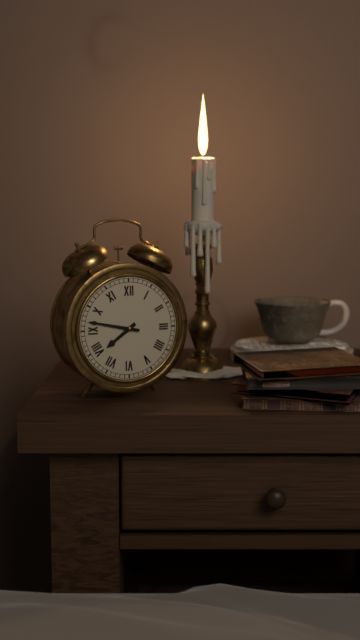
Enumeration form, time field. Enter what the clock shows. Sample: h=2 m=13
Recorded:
h=7 m=47
